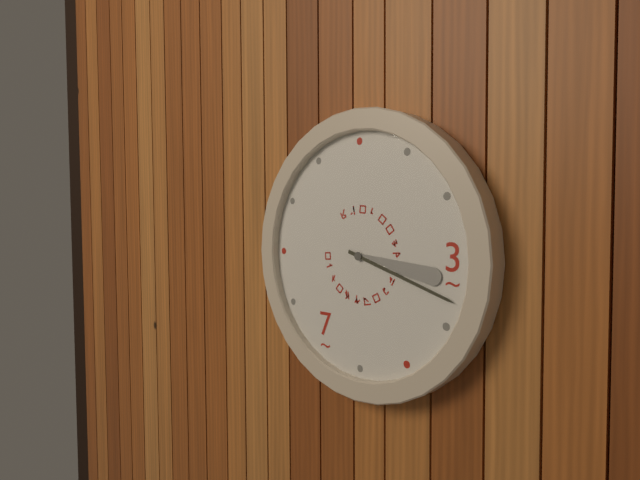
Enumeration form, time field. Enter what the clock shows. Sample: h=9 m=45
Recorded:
h=3 m=18
